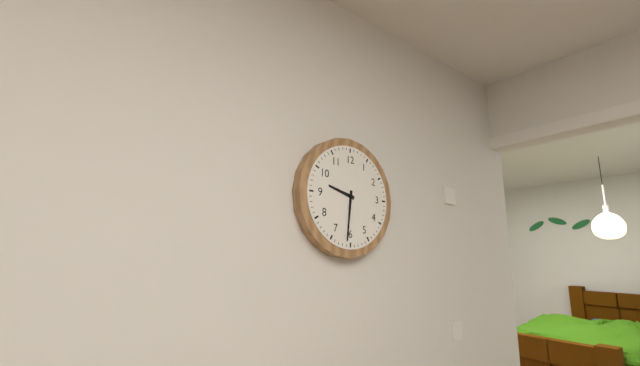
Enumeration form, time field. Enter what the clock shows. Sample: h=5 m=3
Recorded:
h=9 m=31
